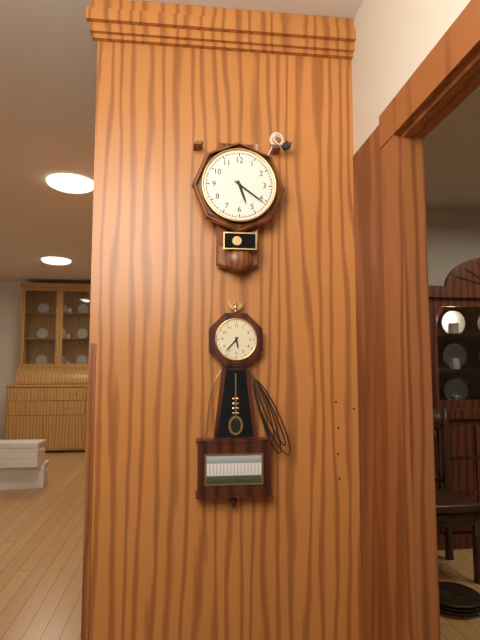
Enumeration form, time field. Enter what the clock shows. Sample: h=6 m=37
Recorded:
h=5 m=21
